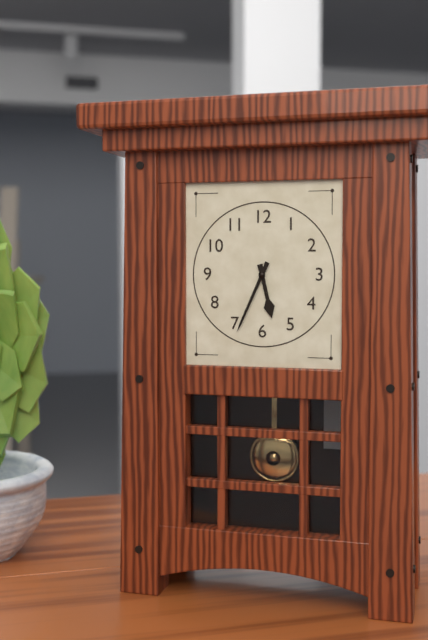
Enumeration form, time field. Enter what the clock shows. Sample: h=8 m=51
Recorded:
h=5 m=34
